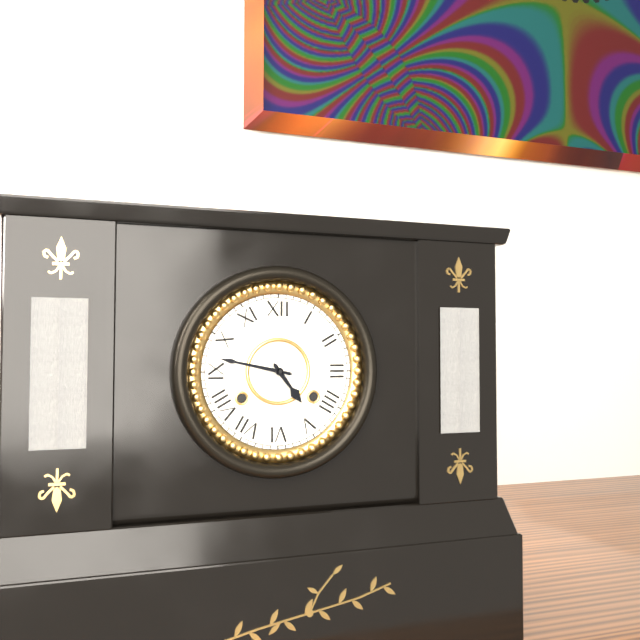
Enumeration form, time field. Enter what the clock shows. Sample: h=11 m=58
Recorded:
h=4 m=47
